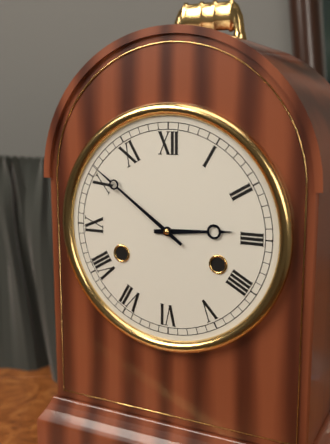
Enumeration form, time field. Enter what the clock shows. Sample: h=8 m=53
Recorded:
h=2 m=51
